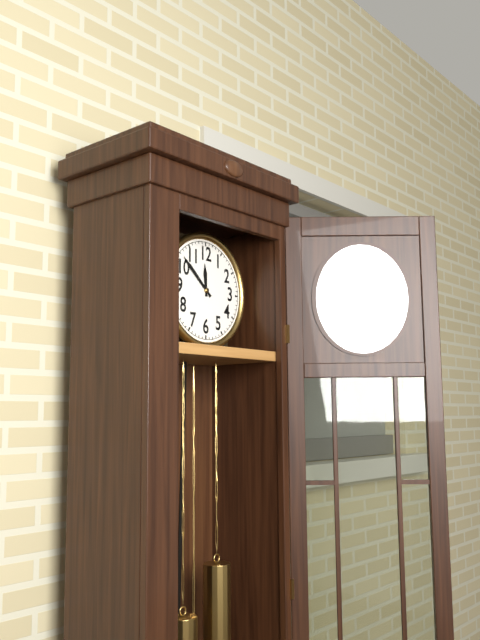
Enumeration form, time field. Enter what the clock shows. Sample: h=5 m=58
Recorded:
h=11 m=52
